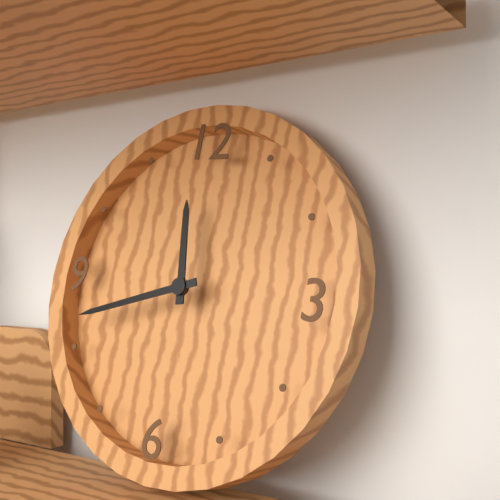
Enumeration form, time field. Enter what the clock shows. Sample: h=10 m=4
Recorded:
h=11 m=42
